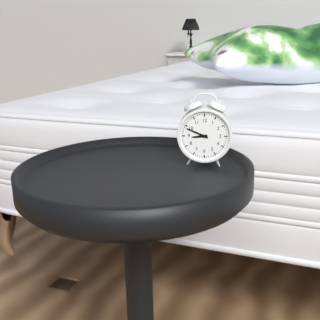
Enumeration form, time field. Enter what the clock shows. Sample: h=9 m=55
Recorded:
h=8 m=49
